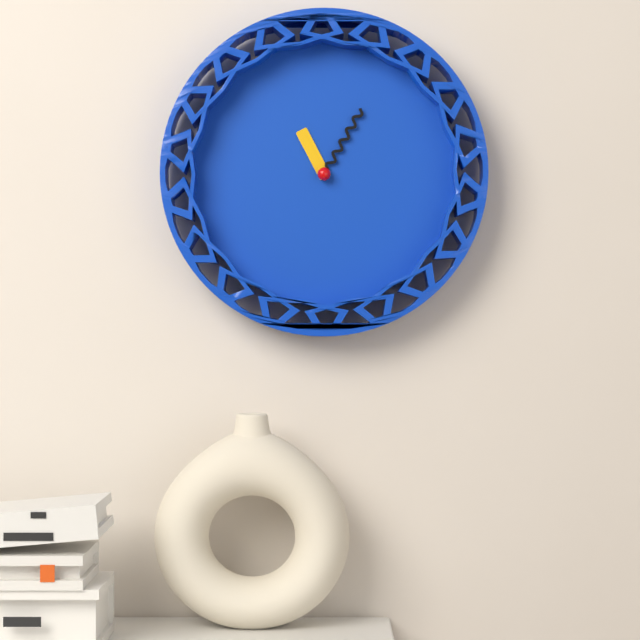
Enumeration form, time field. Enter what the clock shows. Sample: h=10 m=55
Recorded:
h=11 m=5
